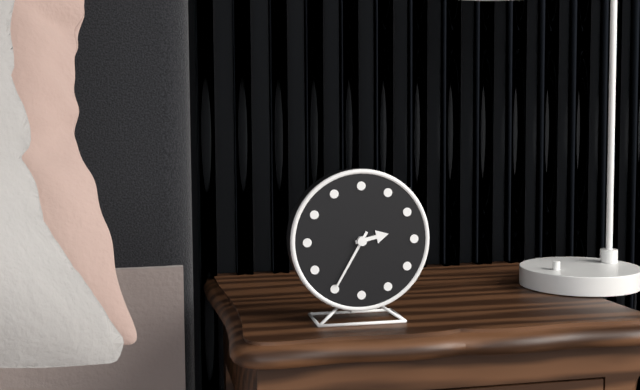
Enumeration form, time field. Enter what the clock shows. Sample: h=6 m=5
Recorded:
h=2 m=35
